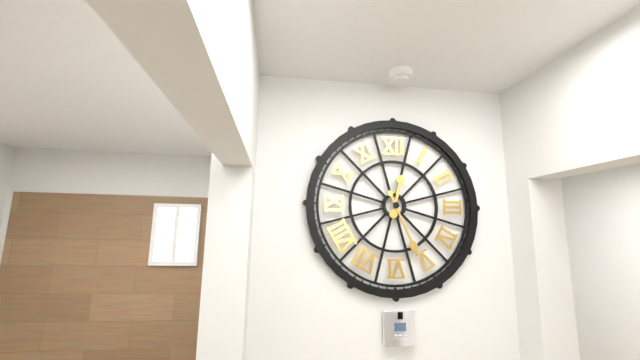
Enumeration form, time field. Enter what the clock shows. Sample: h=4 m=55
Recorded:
h=12 m=26
